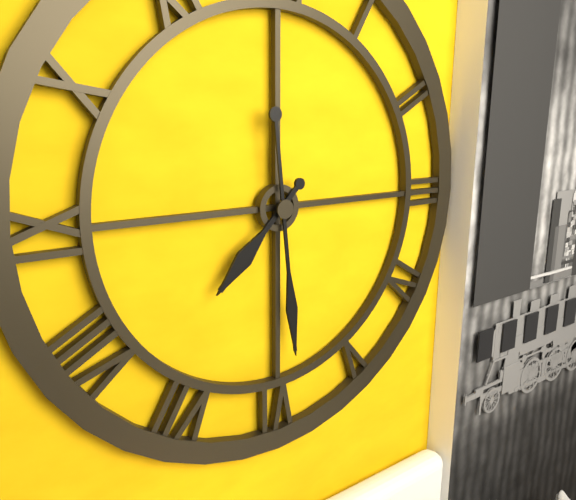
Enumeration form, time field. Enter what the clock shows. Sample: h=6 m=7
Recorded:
h=7 m=29
